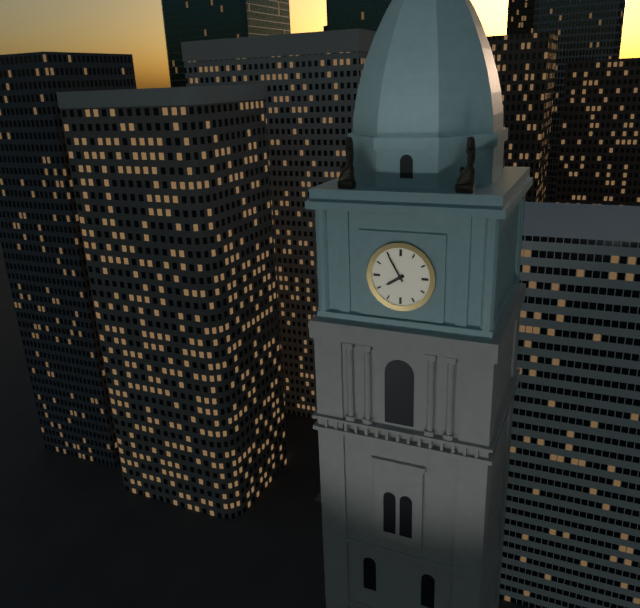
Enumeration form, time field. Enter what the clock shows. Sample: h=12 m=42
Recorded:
h=7 m=55
